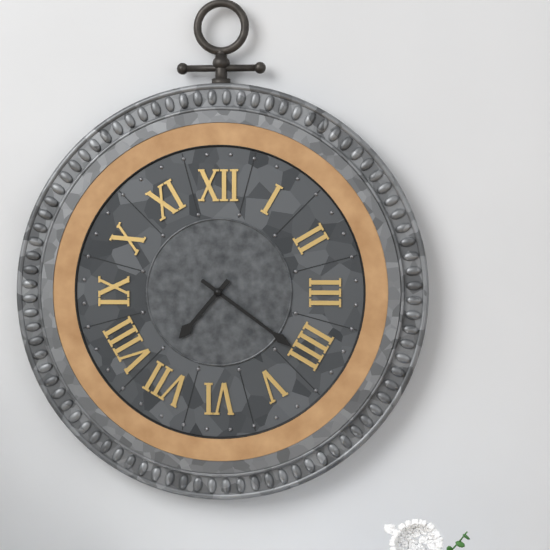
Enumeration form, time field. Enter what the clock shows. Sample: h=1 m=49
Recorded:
h=7 m=21
